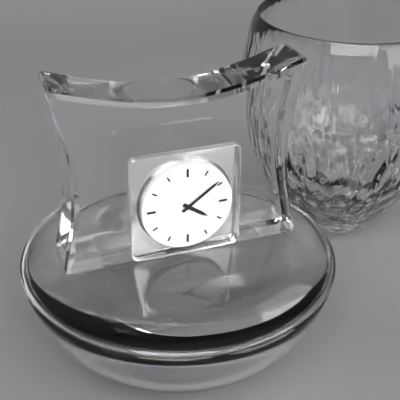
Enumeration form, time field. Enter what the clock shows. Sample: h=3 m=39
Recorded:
h=4 m=9
